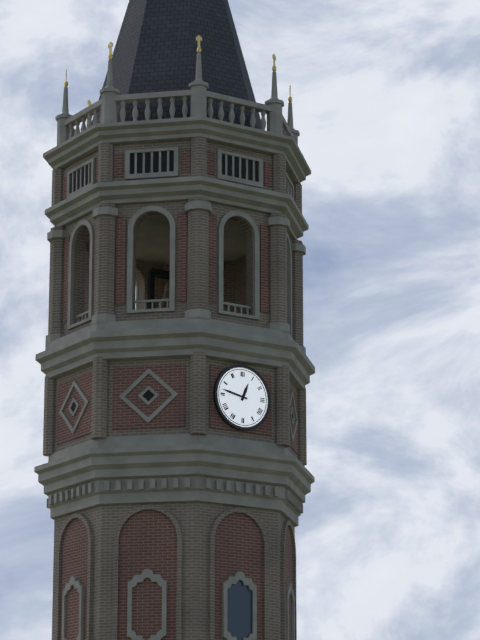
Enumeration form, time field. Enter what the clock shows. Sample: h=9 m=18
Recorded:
h=12 m=47
